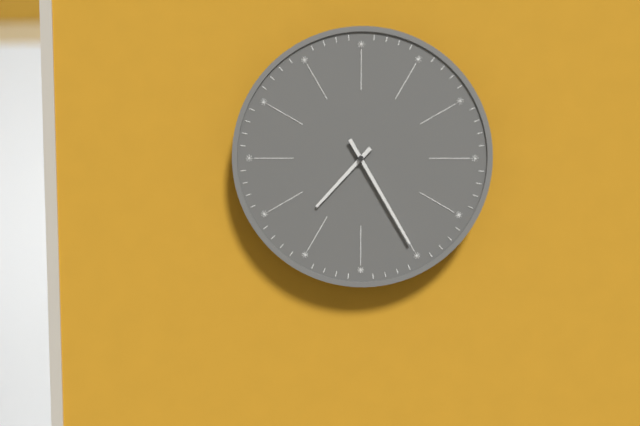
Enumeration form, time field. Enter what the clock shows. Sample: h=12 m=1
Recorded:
h=7 m=25
